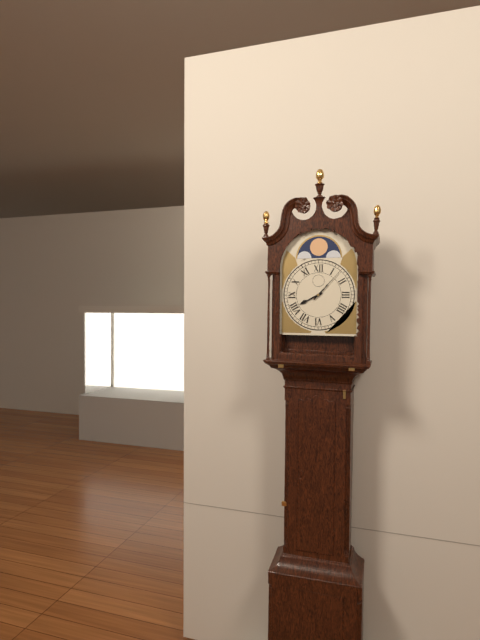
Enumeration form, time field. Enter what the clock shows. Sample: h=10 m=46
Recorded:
h=8 m=7
